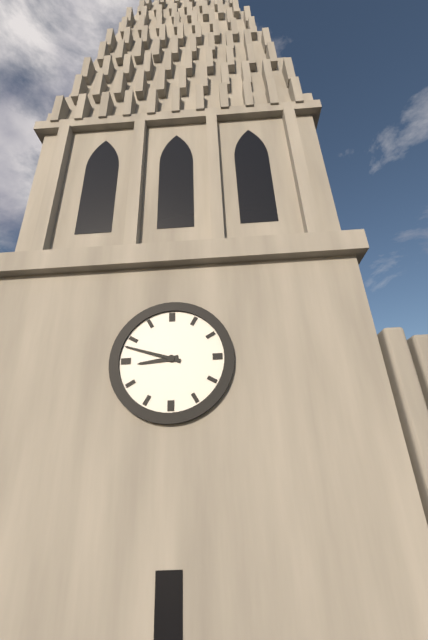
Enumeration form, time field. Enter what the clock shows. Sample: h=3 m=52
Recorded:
h=8 m=48
